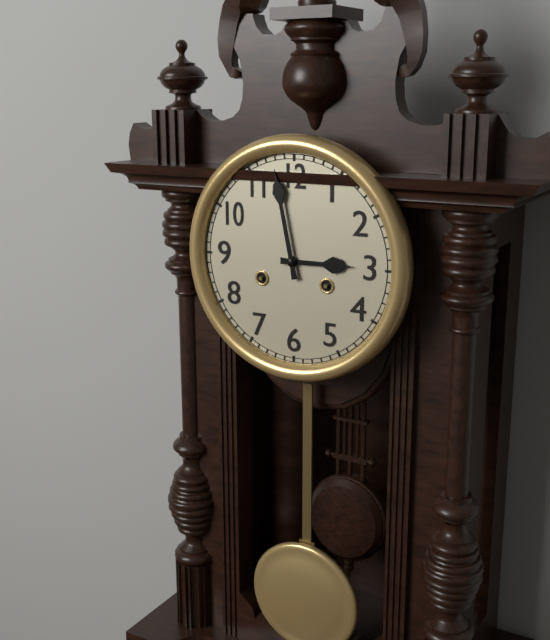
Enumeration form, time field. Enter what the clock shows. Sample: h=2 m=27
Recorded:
h=2 m=58
